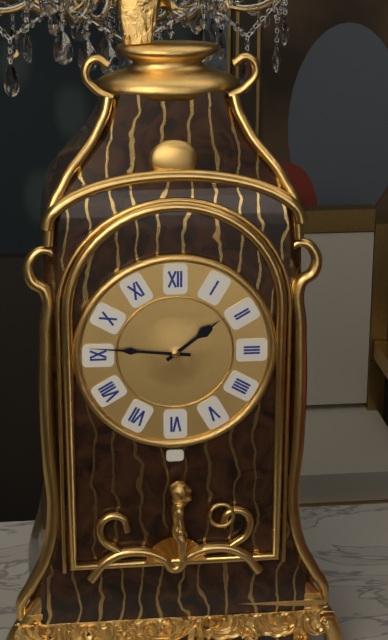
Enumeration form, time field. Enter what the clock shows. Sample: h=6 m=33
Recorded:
h=1 m=46
